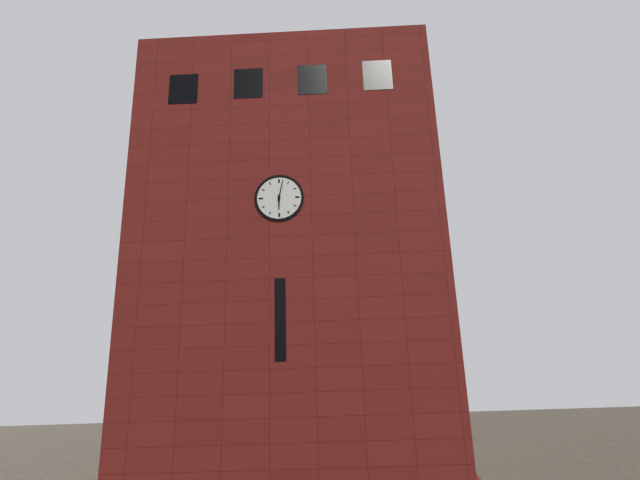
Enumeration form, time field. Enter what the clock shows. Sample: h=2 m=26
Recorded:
h=6 m=2
